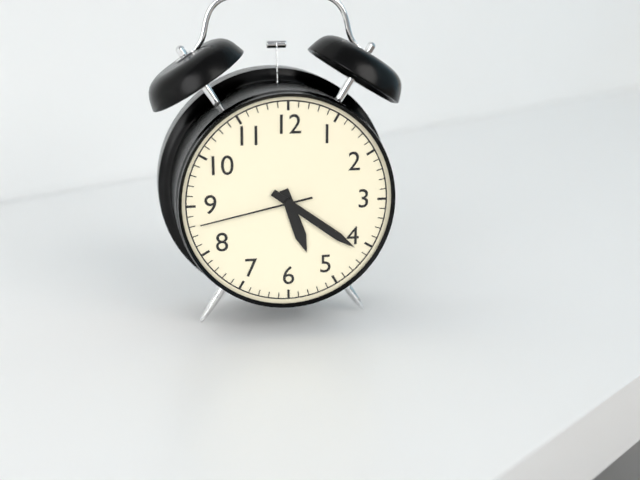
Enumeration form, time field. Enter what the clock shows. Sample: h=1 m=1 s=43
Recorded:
h=5 m=21 s=43
